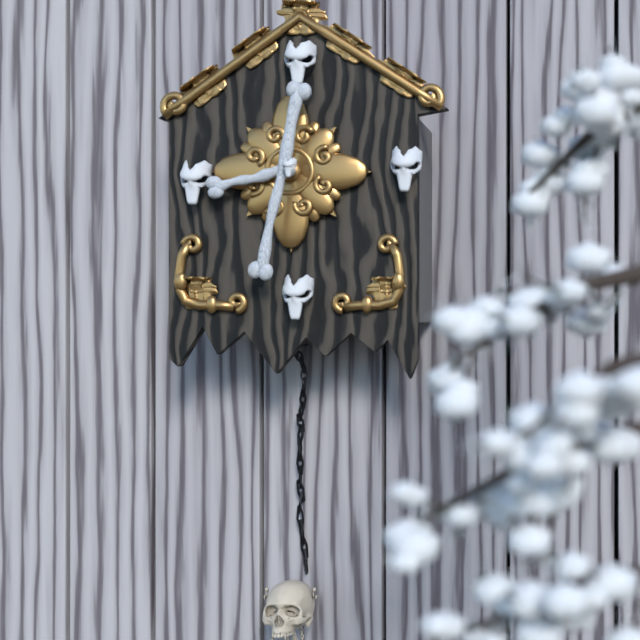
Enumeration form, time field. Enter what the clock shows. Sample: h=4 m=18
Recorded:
h=8 m=32
